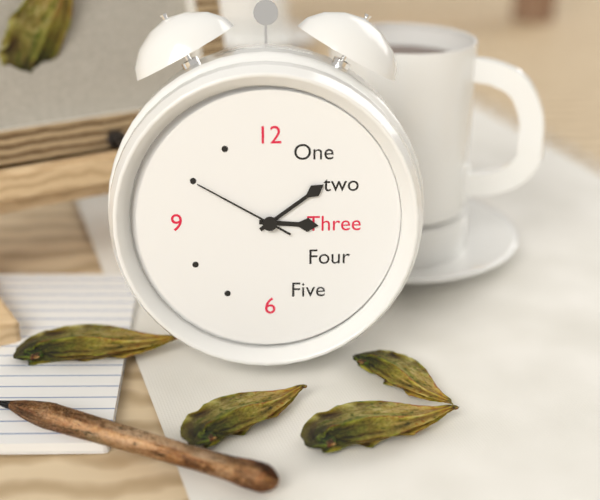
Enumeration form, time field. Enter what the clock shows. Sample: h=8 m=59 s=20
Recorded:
h=3 m=9 s=50
